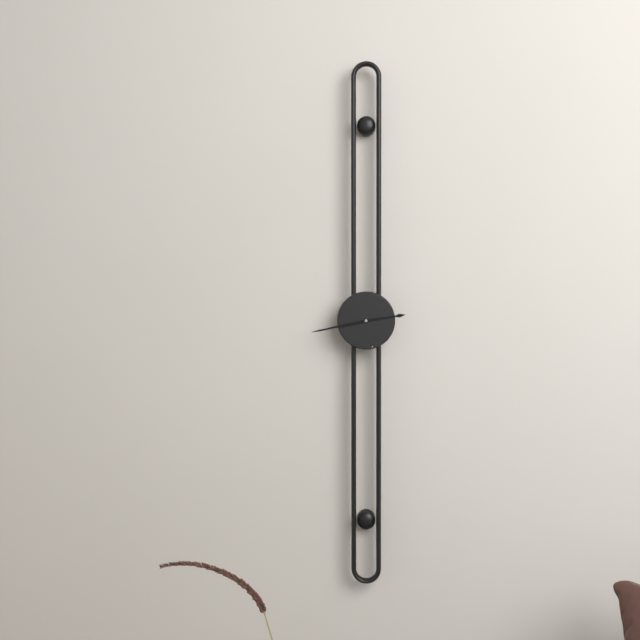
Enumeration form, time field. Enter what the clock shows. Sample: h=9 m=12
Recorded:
h=2 m=43
